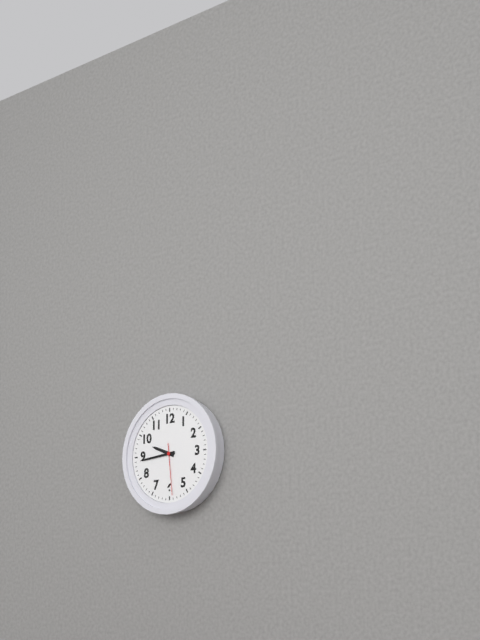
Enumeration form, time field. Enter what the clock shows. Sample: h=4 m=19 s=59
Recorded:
h=9 m=44 s=29
